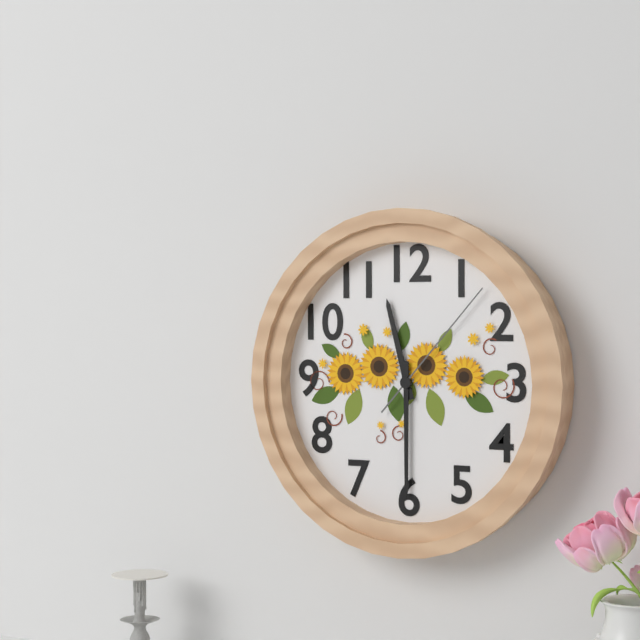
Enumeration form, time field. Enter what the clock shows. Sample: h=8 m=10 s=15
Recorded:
h=11 m=30 s=7
